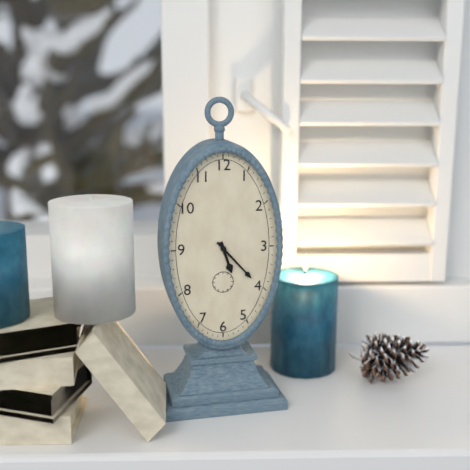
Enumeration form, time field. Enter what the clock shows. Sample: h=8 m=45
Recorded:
h=5 m=23
